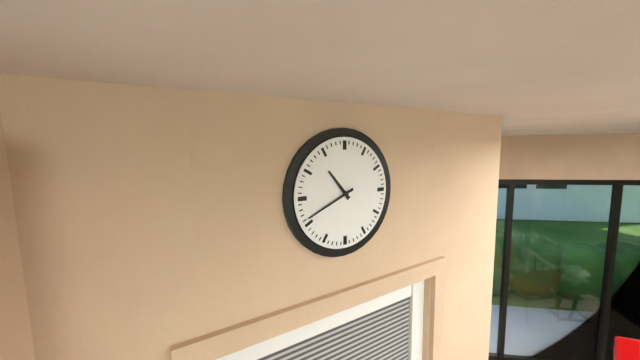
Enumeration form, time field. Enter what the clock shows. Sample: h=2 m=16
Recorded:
h=10 m=41
